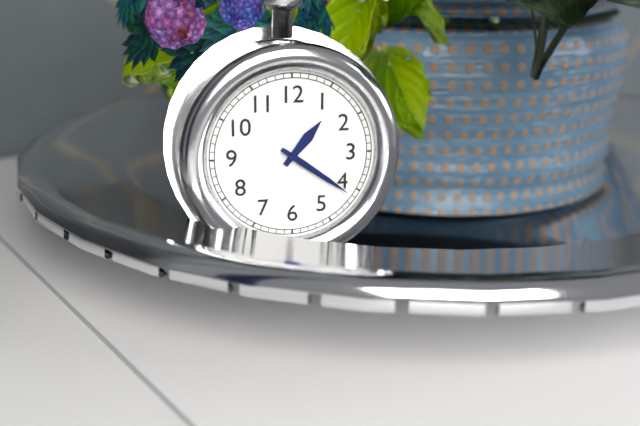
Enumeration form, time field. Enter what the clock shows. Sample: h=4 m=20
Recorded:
h=1 m=21
